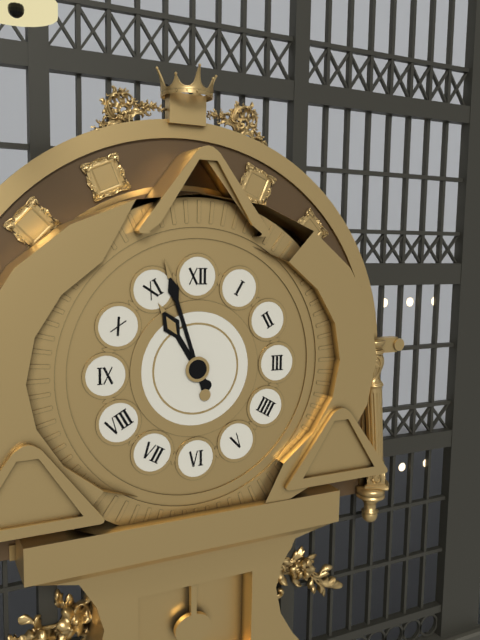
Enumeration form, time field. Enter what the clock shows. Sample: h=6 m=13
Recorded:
h=10 m=57
